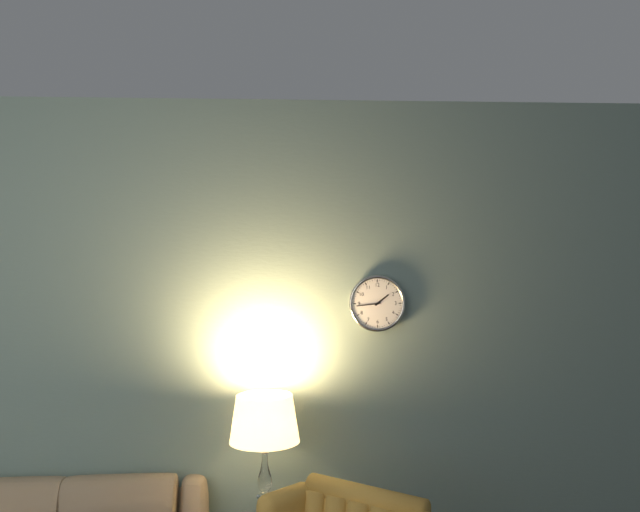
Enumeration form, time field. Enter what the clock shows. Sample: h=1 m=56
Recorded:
h=1 m=44
